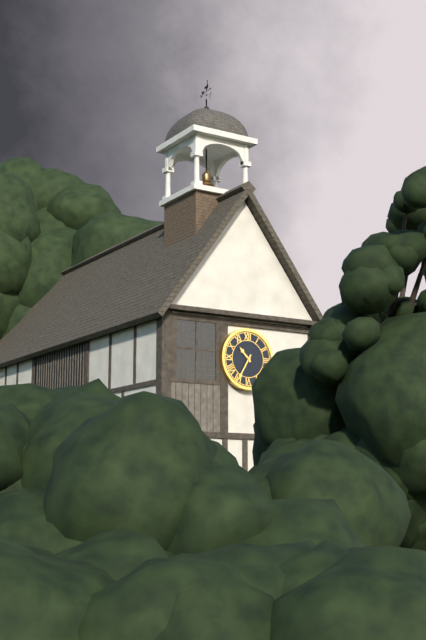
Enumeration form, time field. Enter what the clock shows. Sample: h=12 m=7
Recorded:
h=10 m=35
